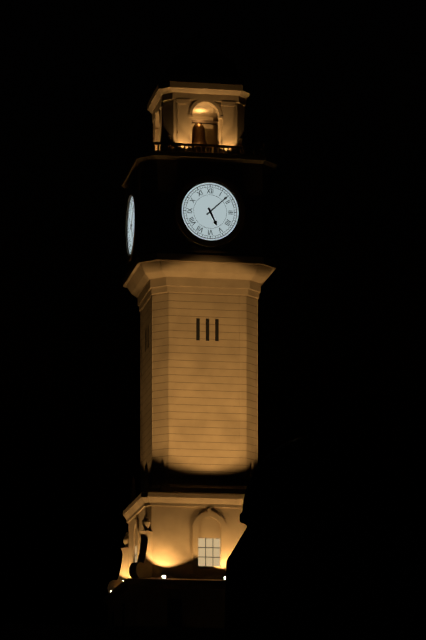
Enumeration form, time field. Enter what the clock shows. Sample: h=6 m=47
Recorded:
h=5 m=8
